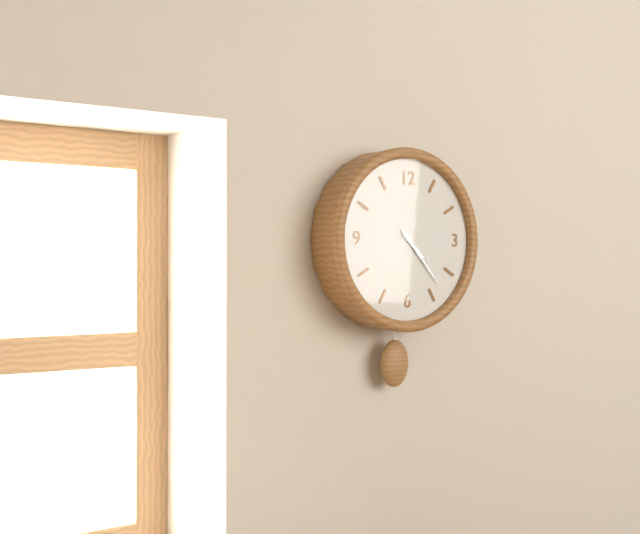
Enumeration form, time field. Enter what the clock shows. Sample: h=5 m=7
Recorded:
h=4 m=23
